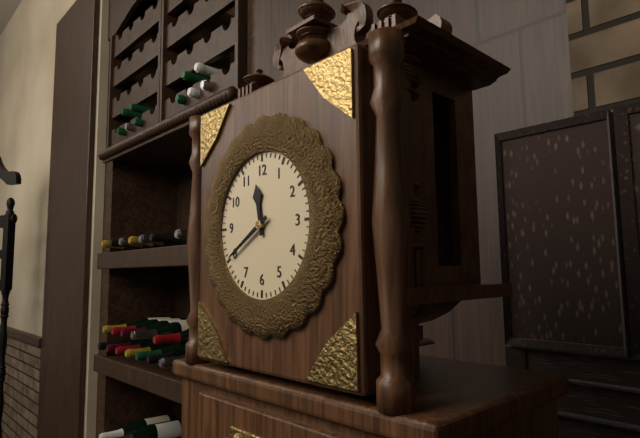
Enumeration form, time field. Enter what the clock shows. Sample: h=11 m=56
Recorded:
h=11 m=40
